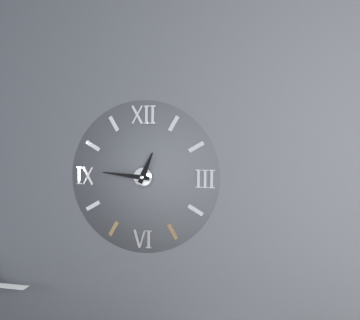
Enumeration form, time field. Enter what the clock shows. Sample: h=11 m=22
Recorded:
h=12 m=46
